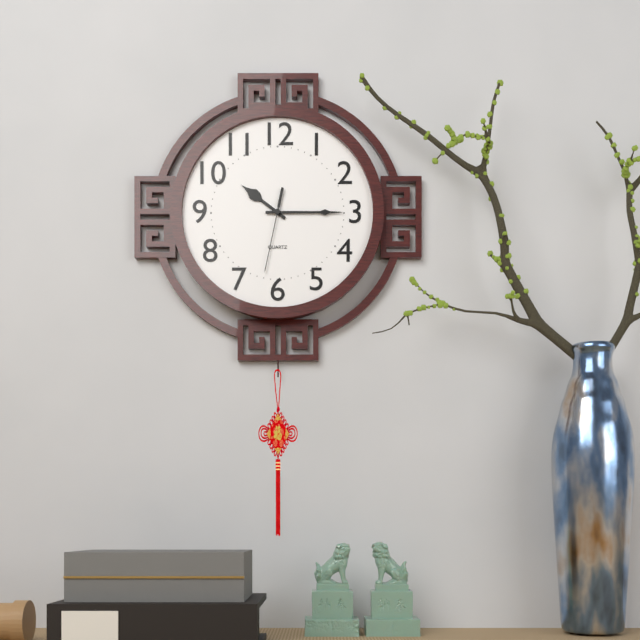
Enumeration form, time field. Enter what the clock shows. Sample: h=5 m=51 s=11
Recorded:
h=10 m=15 s=32
